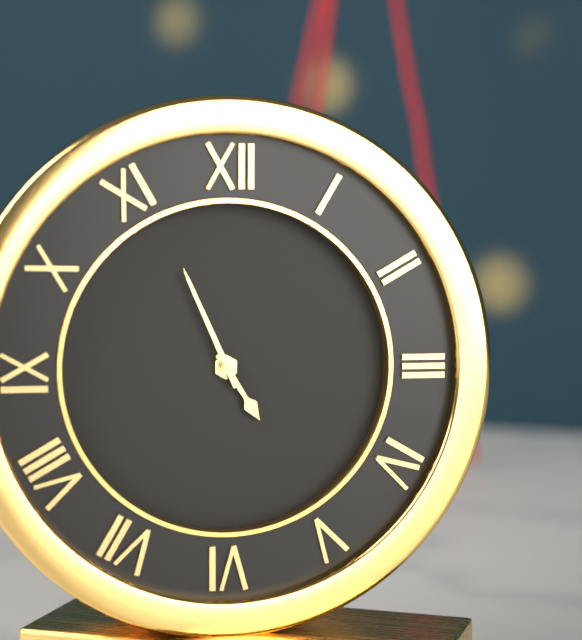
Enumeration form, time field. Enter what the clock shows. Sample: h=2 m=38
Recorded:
h=4 m=56
